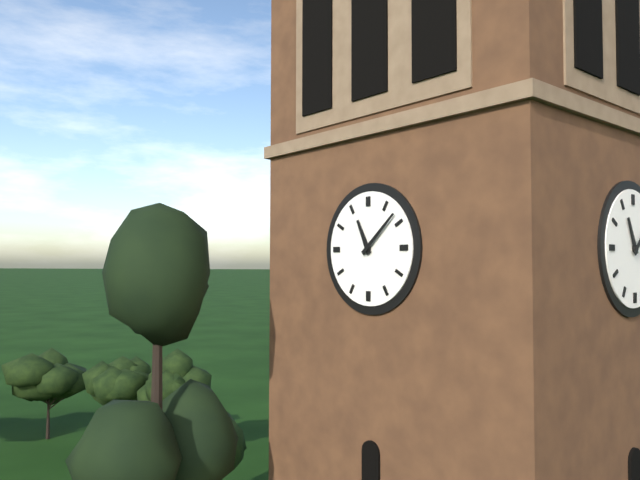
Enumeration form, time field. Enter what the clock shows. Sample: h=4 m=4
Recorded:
h=11 m=8
